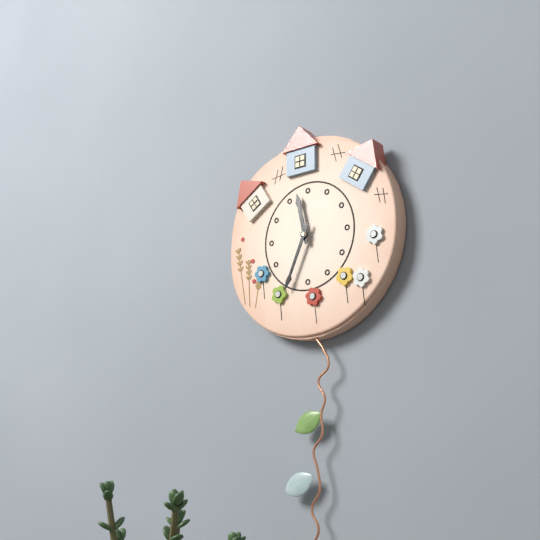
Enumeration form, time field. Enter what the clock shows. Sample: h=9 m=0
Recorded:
h=11 m=34
